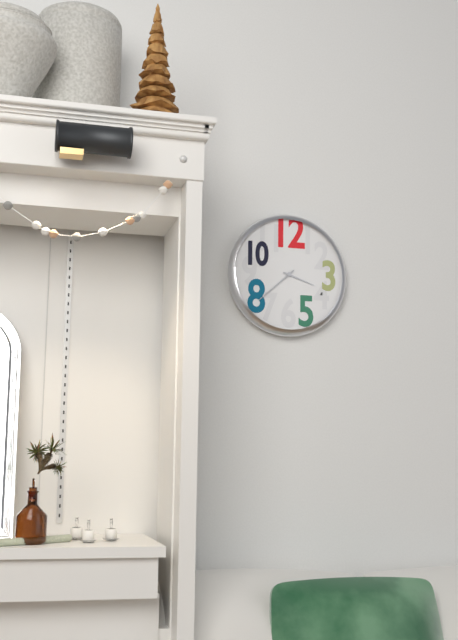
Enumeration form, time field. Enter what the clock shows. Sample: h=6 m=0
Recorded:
h=3 m=38
